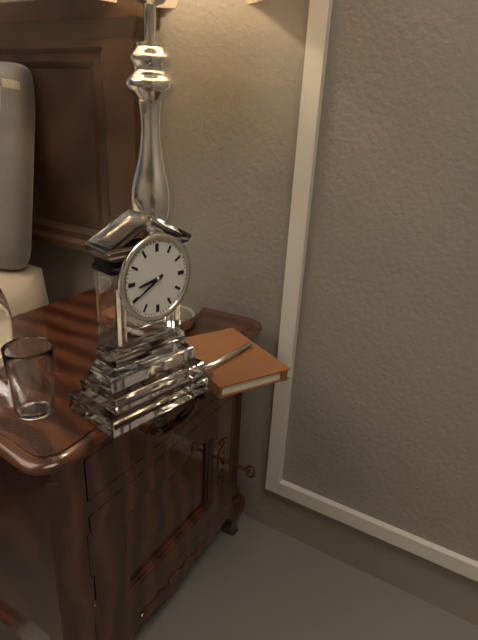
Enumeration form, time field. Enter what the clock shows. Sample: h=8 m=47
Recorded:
h=8 m=40
